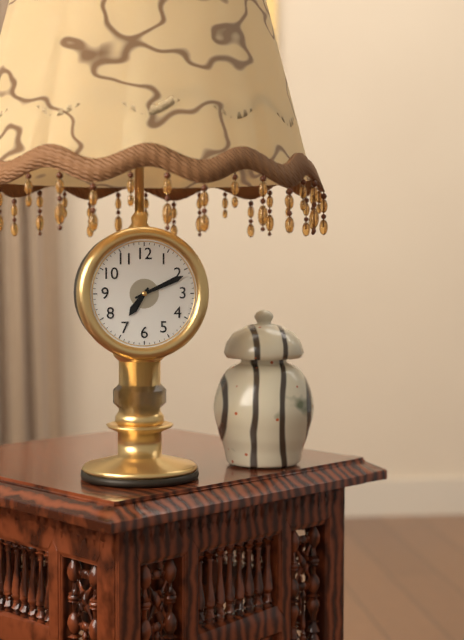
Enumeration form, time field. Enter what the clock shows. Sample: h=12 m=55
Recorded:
h=7 m=11
